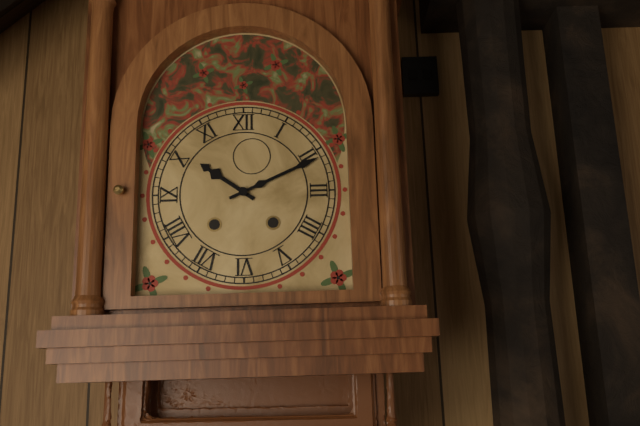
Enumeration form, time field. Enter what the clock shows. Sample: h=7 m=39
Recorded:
h=10 m=11
